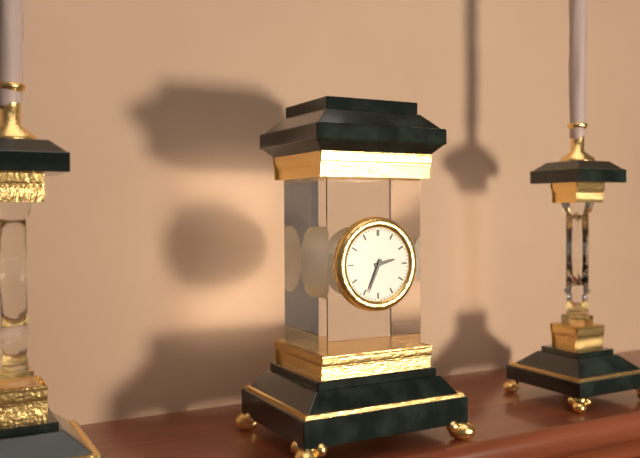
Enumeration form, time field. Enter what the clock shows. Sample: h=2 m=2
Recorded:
h=2 m=34
